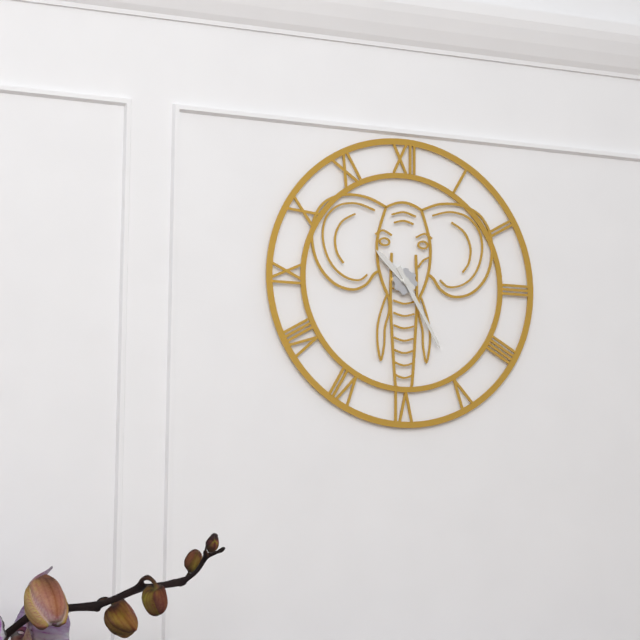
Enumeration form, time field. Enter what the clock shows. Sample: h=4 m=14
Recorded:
h=10 m=25
